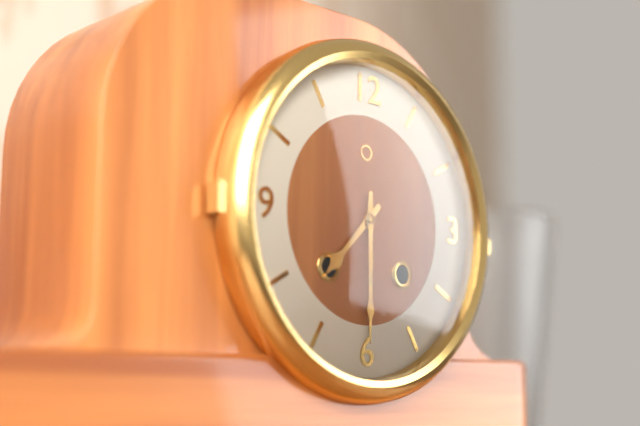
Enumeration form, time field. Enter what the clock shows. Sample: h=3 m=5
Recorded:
h=7 m=30
